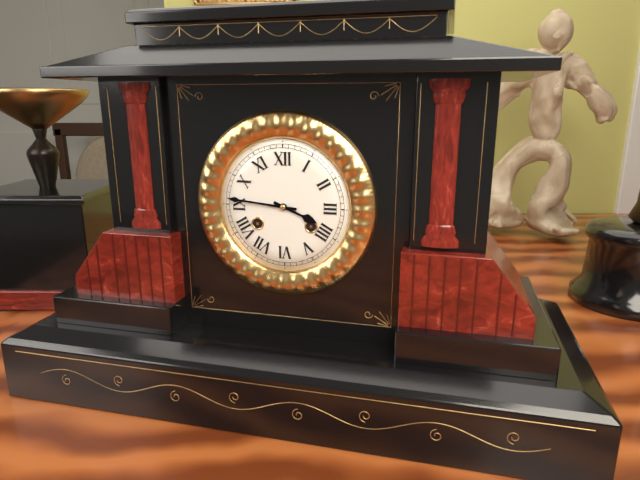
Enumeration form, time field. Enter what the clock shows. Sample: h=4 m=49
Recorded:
h=3 m=46
